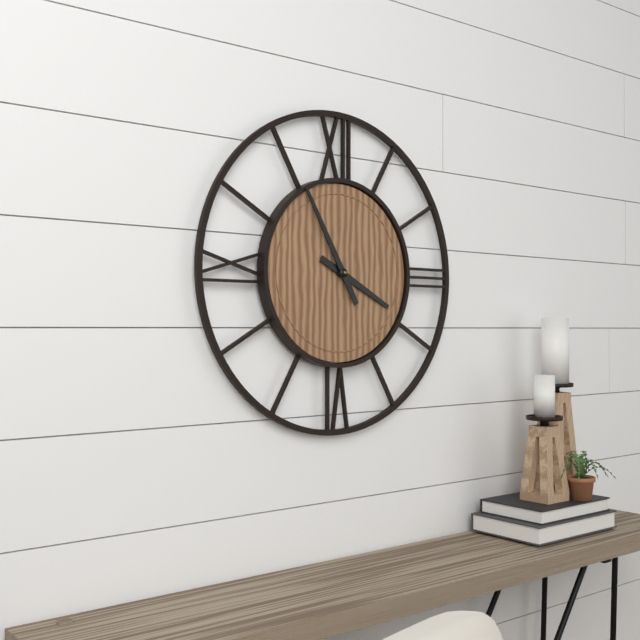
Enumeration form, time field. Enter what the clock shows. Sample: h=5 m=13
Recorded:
h=3 m=55
